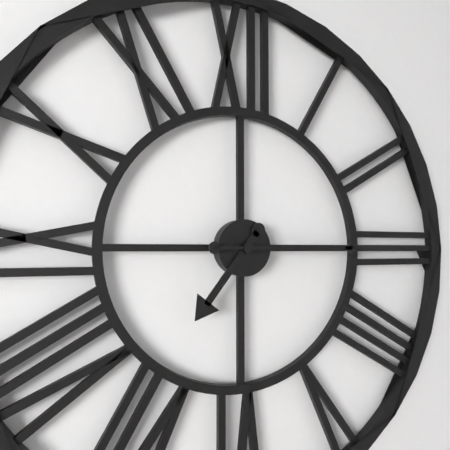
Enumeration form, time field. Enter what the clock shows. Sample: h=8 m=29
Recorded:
h=7 m=15
